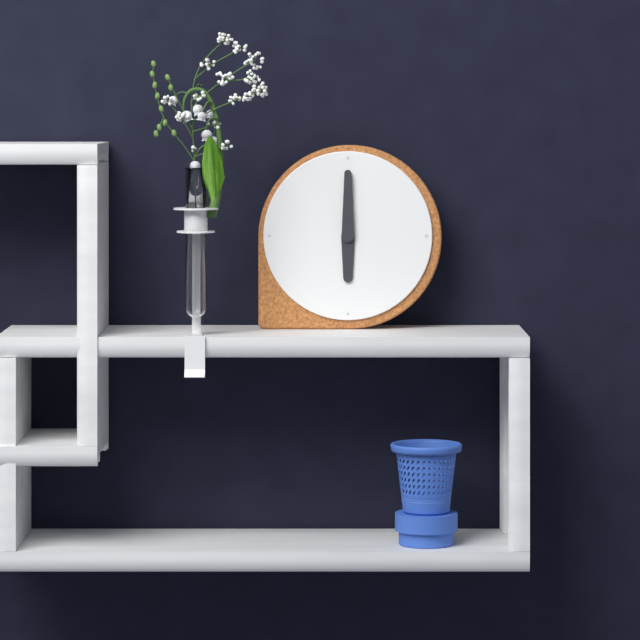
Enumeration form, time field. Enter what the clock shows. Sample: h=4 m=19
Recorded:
h=6 m=0
